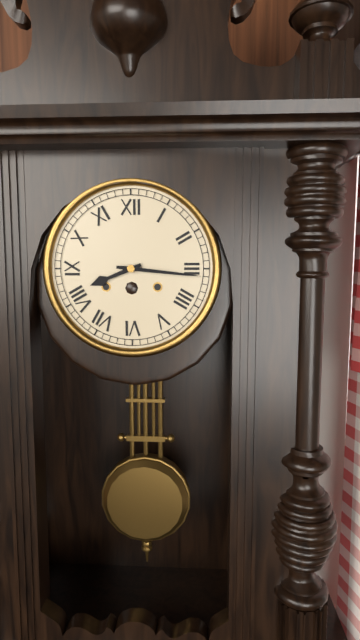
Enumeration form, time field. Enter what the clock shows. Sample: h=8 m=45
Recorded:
h=8 m=16
